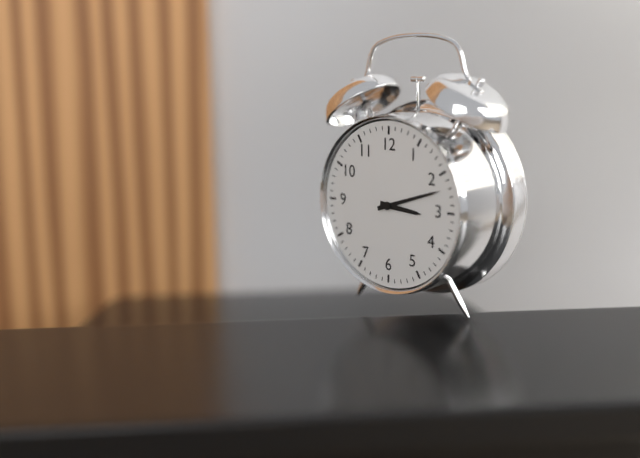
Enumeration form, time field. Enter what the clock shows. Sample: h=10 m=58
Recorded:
h=3 m=12
